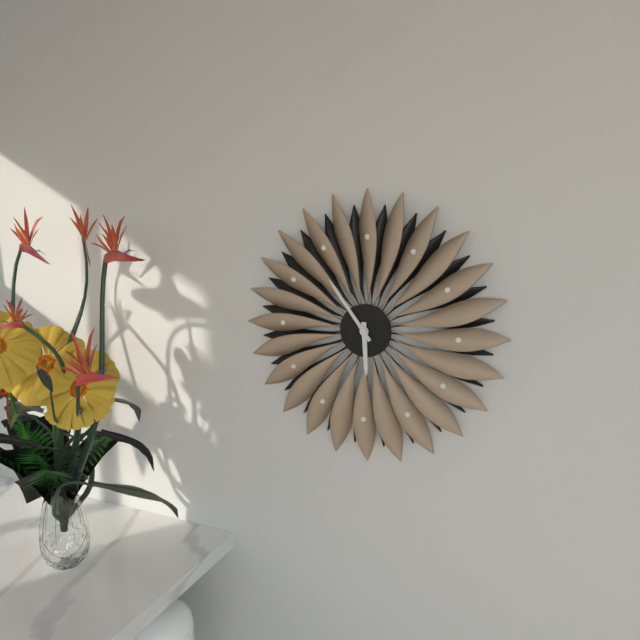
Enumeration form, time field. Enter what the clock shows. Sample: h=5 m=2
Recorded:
h=5 m=54
